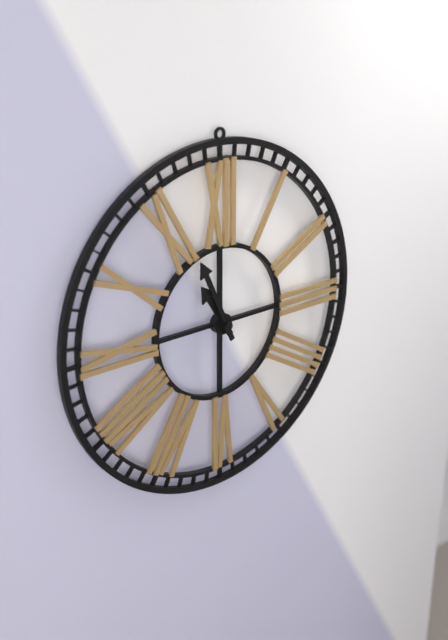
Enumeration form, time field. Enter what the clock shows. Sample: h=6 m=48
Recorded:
h=10 m=56
